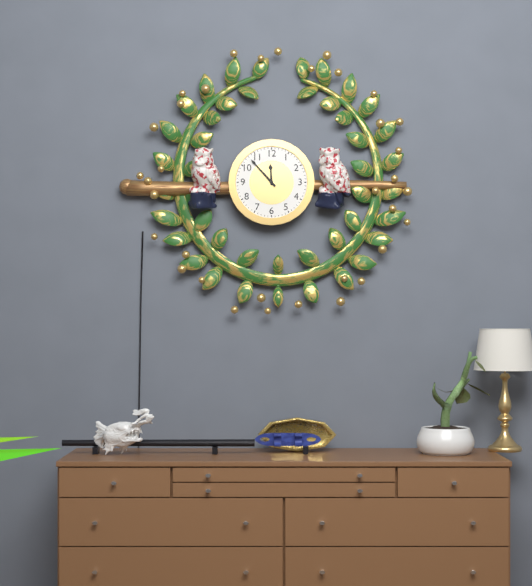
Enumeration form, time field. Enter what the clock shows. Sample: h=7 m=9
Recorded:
h=11 m=53
